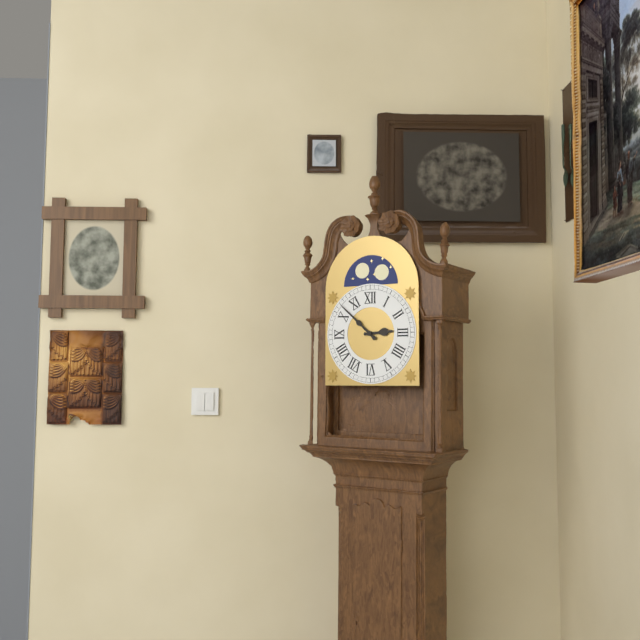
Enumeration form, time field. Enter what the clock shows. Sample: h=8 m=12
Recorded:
h=2 m=52
